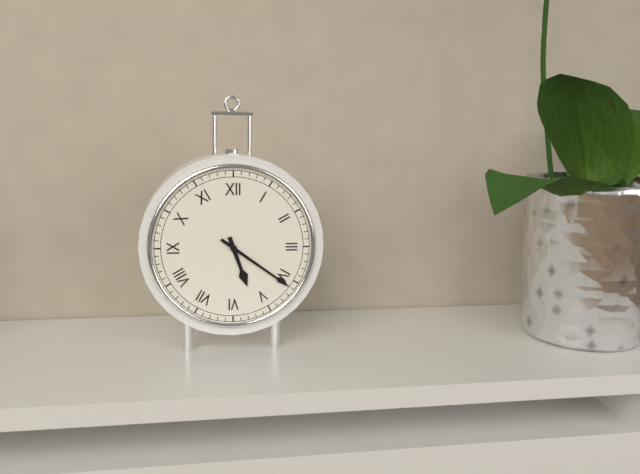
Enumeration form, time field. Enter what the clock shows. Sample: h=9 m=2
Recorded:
h=5 m=21
